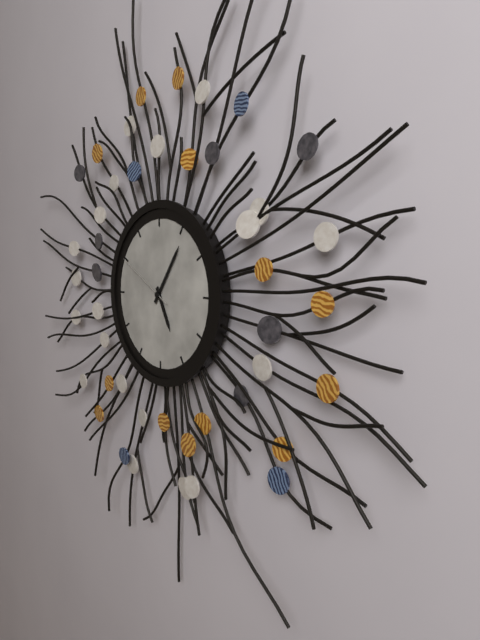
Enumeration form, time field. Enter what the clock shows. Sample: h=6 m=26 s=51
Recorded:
h=5 m=6 s=50
